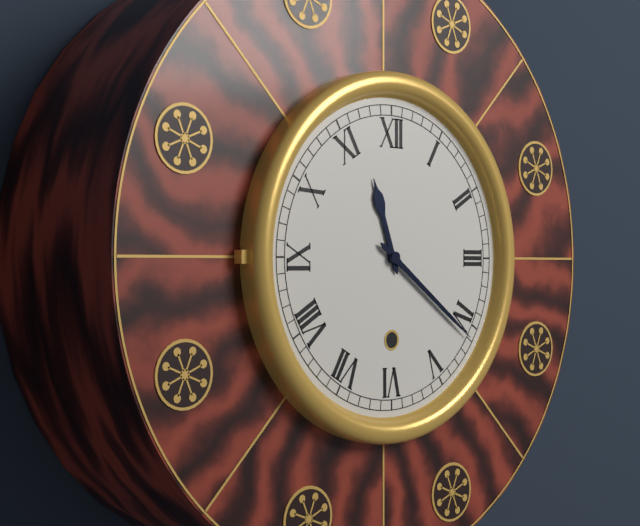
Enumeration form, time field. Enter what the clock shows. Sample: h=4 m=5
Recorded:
h=11 m=21
